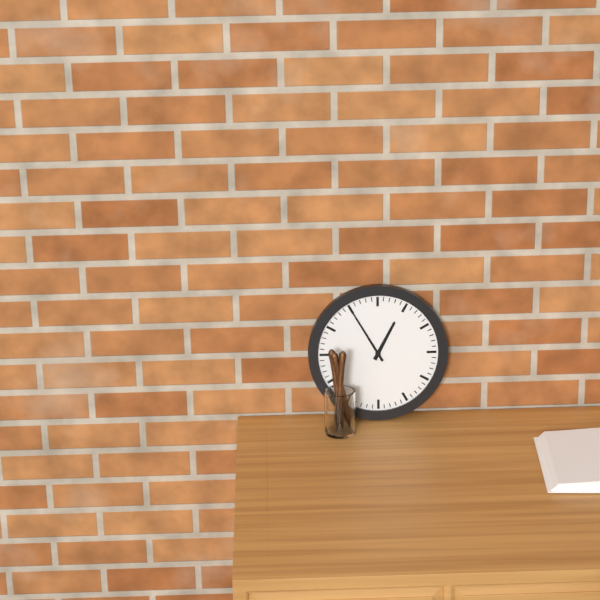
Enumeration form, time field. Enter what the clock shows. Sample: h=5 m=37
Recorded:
h=12 m=55
